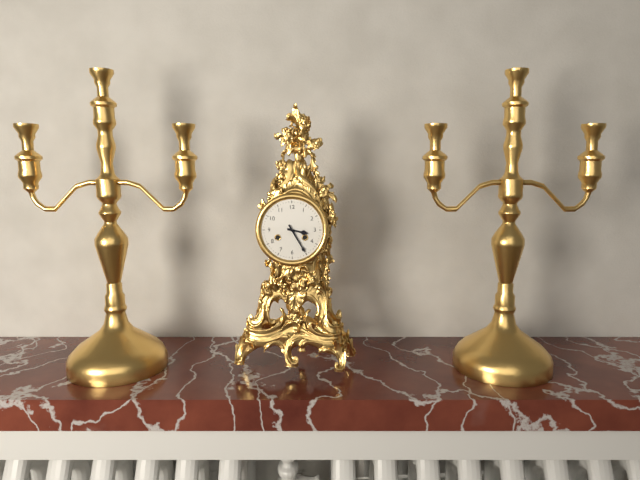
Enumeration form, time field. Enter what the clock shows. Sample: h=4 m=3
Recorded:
h=3 m=25
